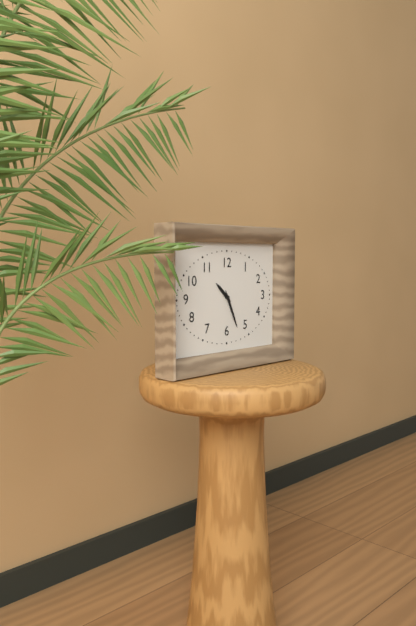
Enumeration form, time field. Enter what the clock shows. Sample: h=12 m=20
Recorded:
h=10 m=26
